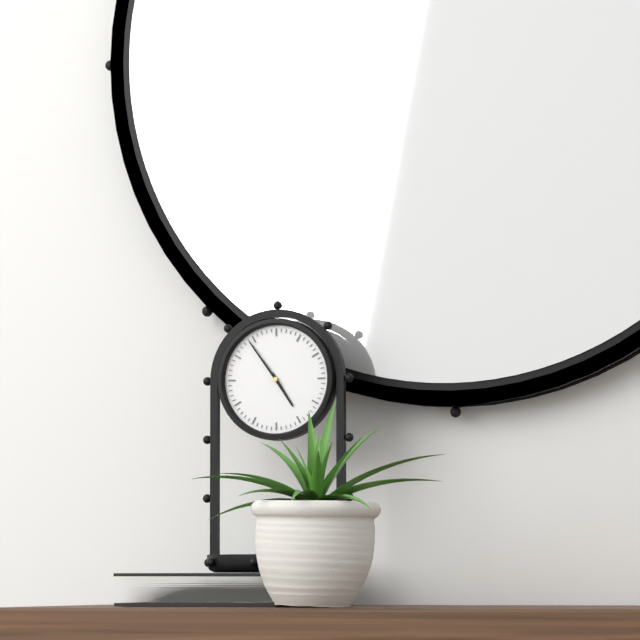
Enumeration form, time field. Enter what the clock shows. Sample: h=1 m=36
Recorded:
h=4 m=54
